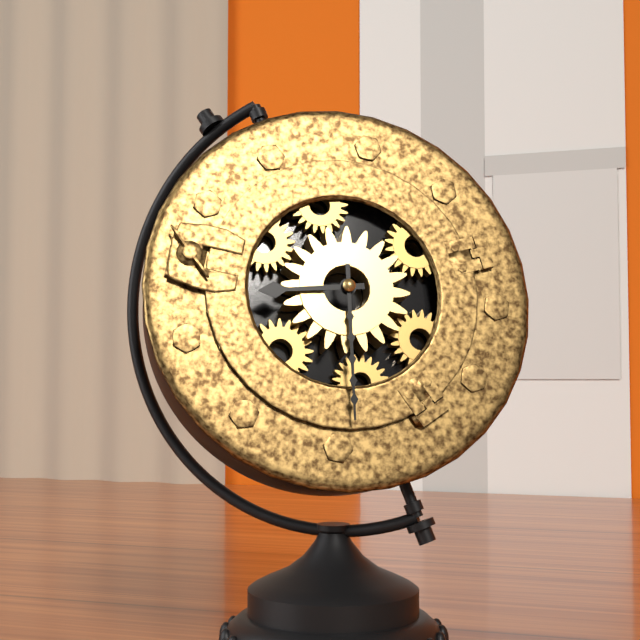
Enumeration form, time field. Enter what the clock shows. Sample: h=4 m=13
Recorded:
h=8 m=28
